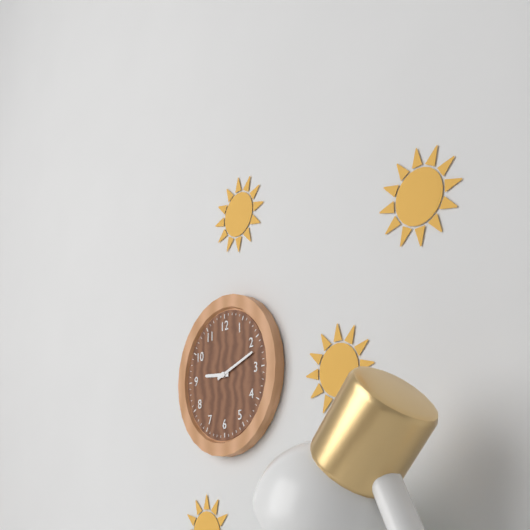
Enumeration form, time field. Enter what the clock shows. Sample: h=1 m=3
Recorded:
h=9 m=12
